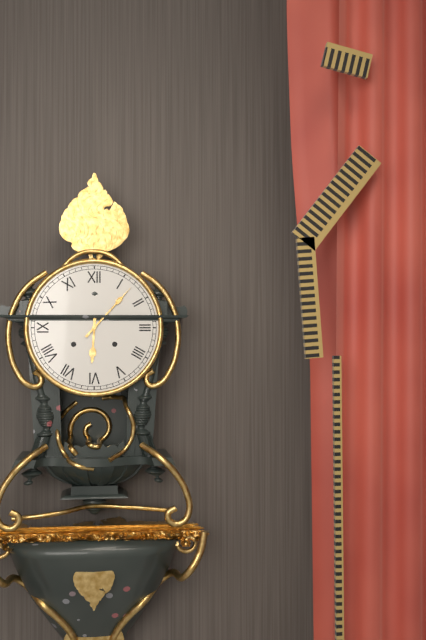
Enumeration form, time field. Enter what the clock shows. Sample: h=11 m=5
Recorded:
h=6 m=7
